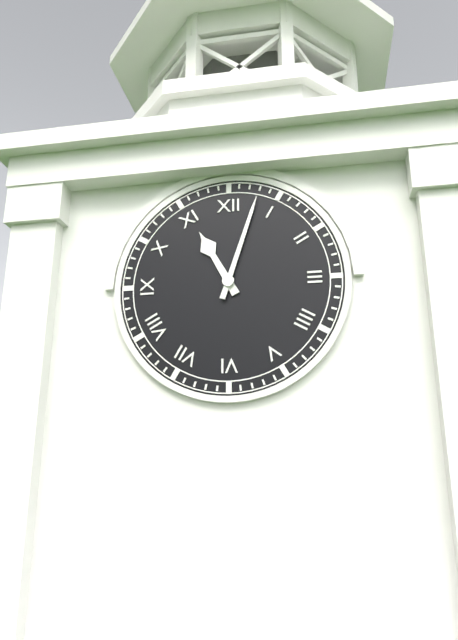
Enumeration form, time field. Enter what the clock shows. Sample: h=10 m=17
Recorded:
h=11 m=3
